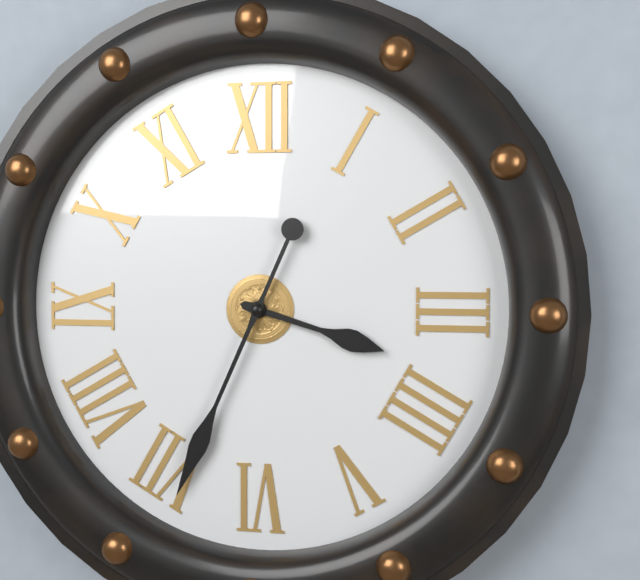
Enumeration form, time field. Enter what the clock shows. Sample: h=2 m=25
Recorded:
h=3 m=34
